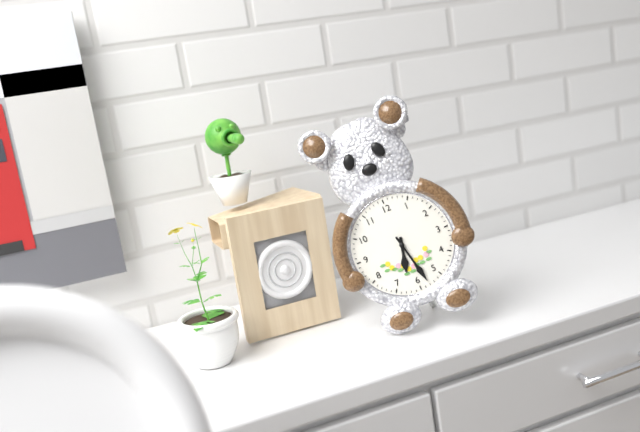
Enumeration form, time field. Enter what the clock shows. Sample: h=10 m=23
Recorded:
h=6 m=28
